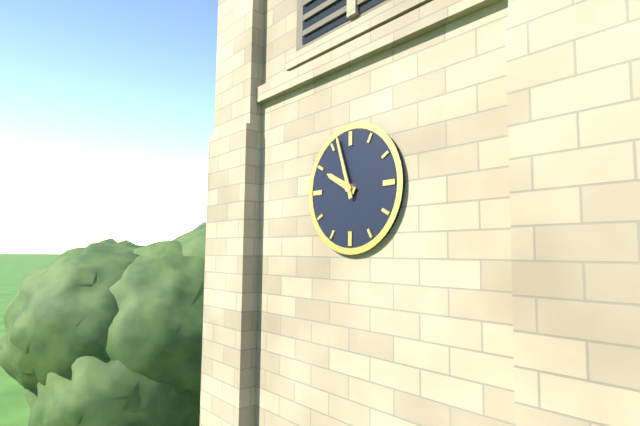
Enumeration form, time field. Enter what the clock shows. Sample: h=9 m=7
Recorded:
h=9 m=57
